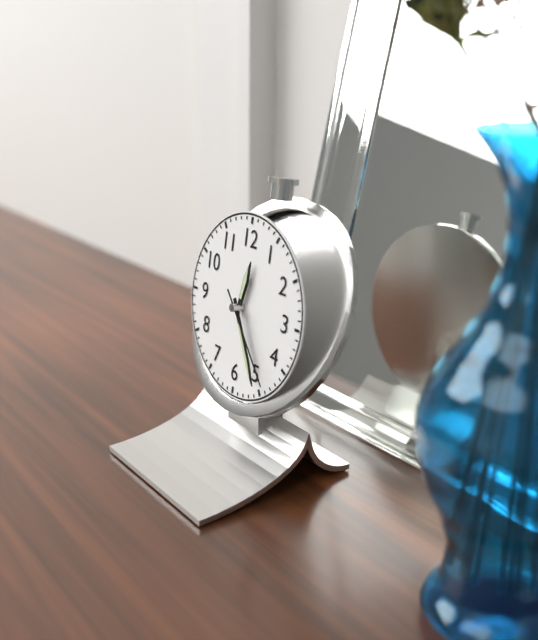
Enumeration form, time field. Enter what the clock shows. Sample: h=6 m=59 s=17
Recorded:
h=12 m=25 s=23
